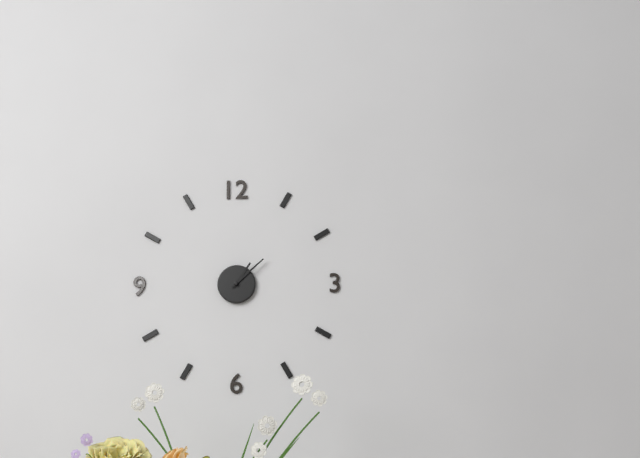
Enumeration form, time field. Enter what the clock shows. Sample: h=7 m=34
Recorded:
h=1 m=8
